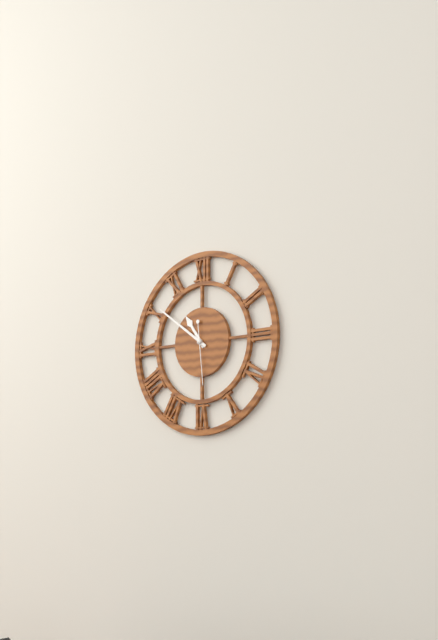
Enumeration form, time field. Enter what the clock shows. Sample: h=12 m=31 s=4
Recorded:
h=10 m=51 s=29
